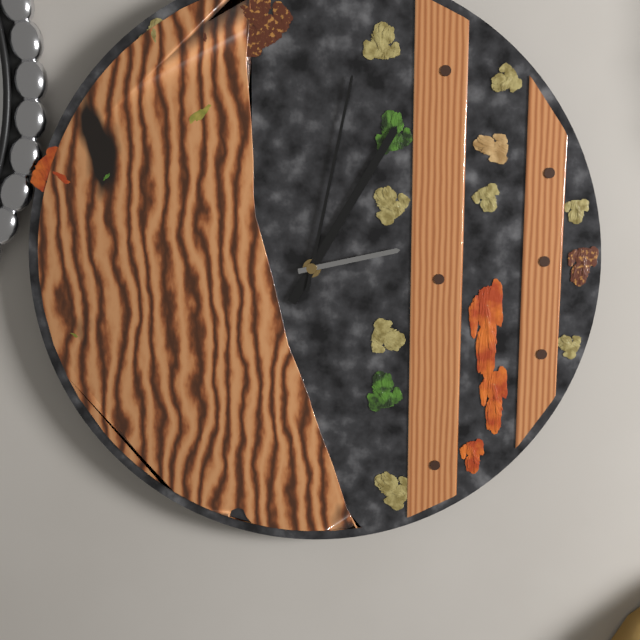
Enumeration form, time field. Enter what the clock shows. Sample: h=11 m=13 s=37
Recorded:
h=1 m=2 s=13
